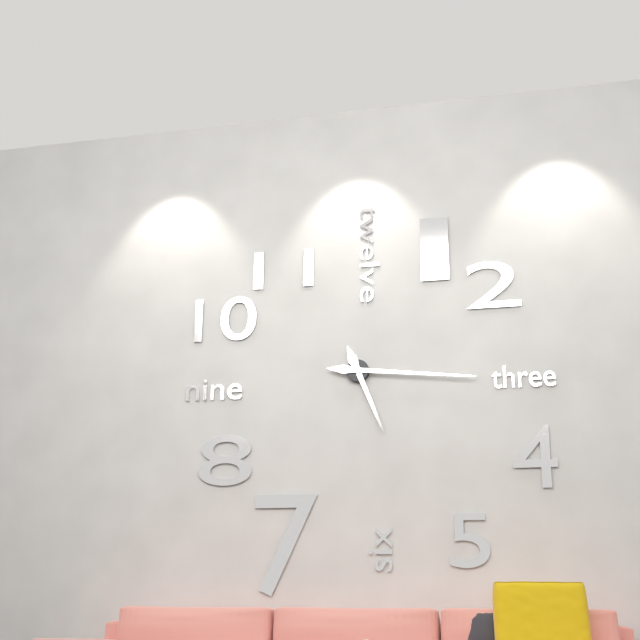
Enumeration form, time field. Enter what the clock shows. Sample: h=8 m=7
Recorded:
h=5 m=16
